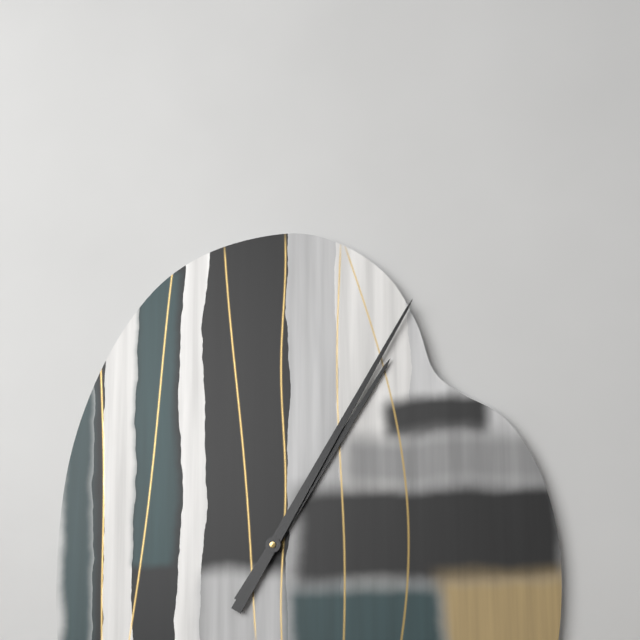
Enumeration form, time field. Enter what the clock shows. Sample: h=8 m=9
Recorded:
h=1 m=5
